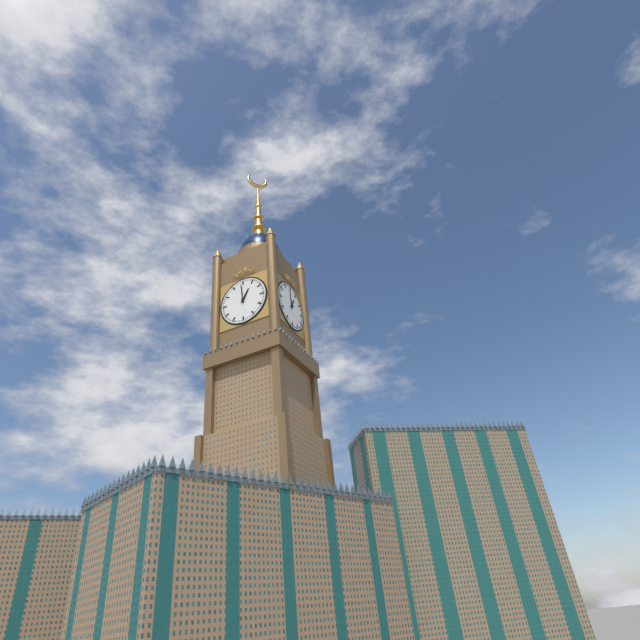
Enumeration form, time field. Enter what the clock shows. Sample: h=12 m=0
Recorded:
h=12 m=59
